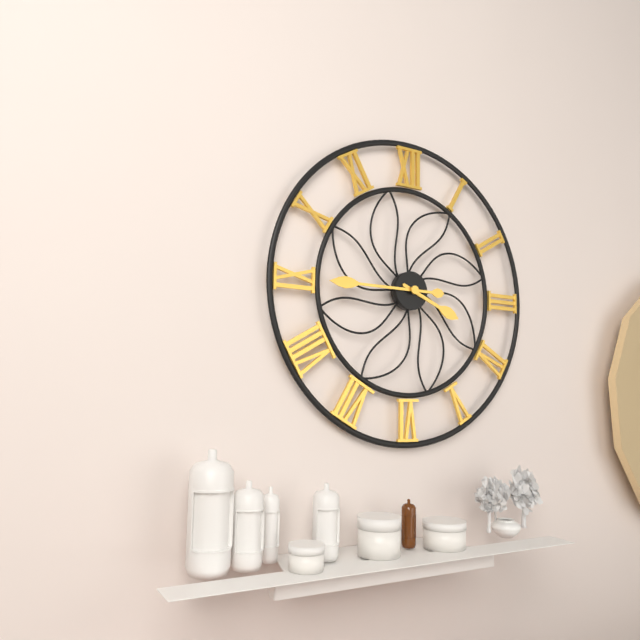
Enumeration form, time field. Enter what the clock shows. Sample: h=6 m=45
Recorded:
h=3 m=45
